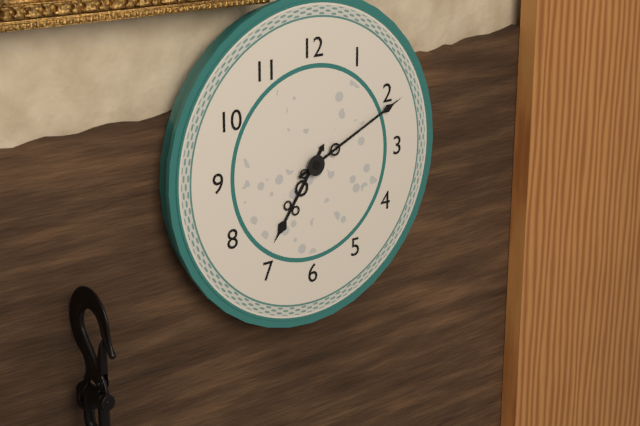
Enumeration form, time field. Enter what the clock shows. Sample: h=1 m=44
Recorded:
h=7 m=11
